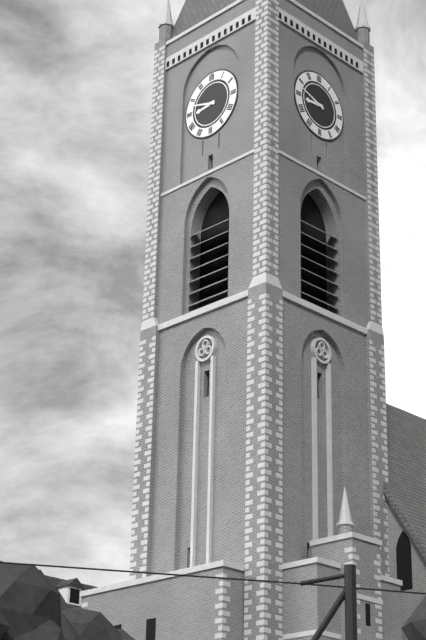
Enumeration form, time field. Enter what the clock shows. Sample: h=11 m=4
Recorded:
h=8 m=48
